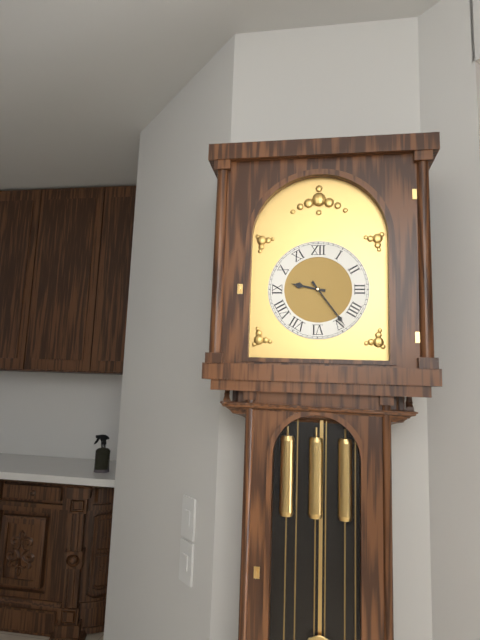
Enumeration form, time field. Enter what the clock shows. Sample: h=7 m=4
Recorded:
h=9 m=24
